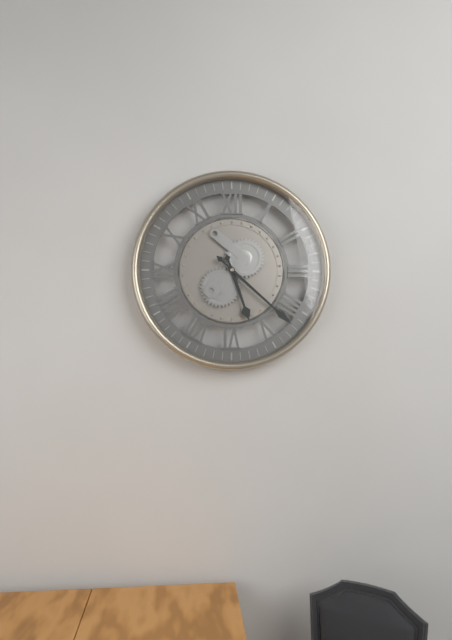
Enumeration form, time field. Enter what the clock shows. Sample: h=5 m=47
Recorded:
h=5 m=22
